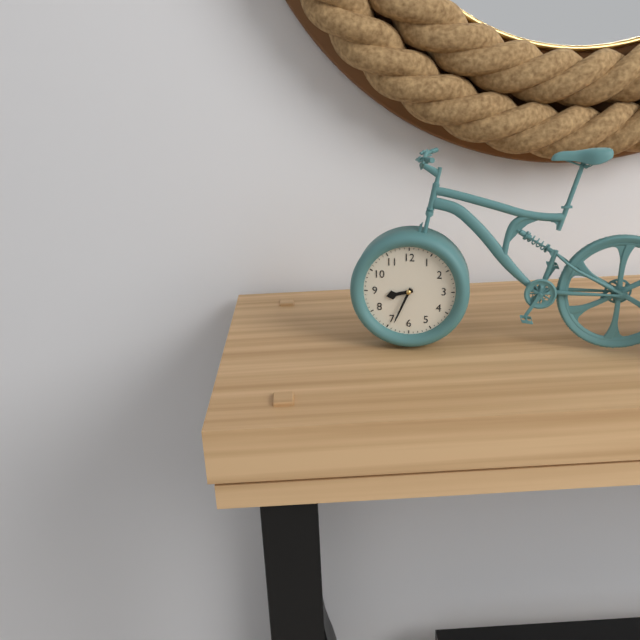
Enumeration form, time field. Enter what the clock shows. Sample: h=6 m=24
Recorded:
h=8 m=34
